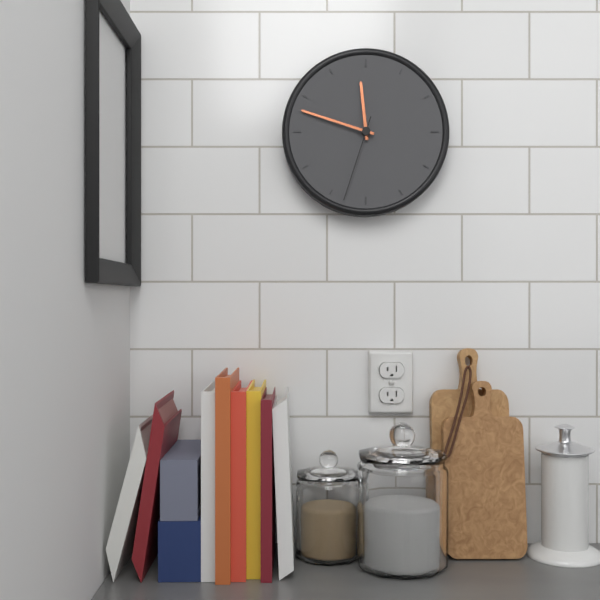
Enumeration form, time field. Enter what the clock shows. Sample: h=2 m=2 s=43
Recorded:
h=11 m=48 s=33
